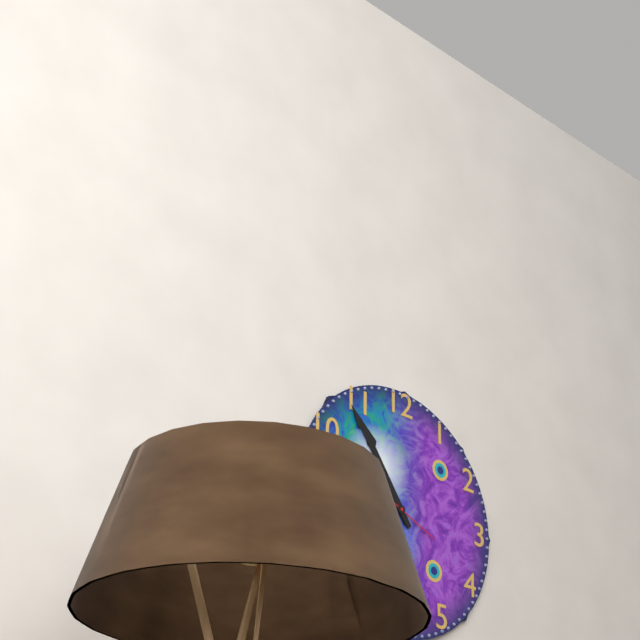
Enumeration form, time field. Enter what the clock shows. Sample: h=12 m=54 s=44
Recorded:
h=10 m=54 s=19
